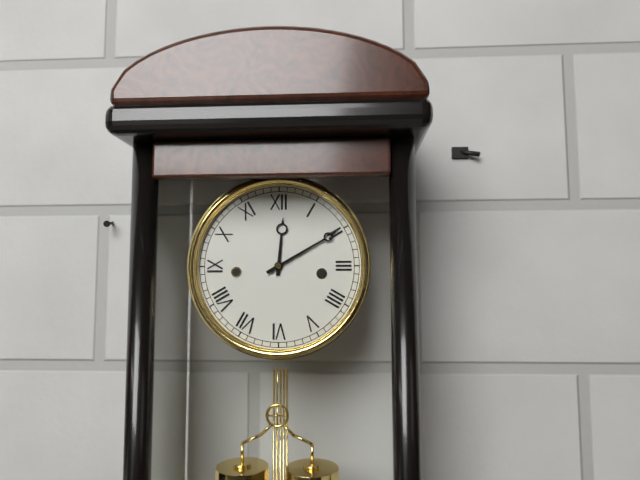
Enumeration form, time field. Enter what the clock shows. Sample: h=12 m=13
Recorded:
h=12 m=10
